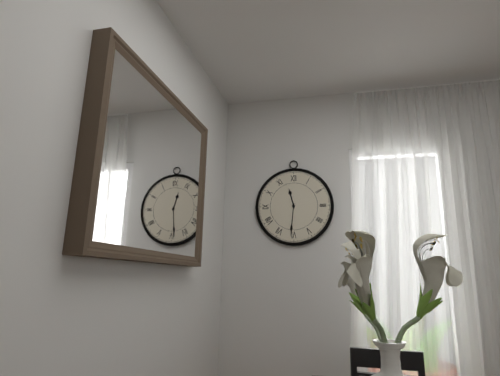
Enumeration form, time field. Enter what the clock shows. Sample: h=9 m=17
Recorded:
h=11 m=31
